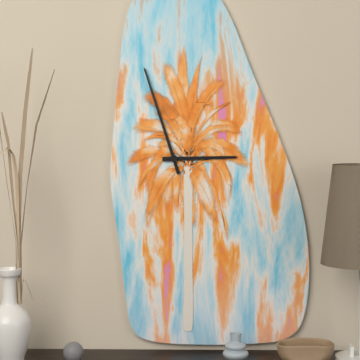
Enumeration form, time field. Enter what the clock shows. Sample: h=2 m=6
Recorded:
h=2 m=57
